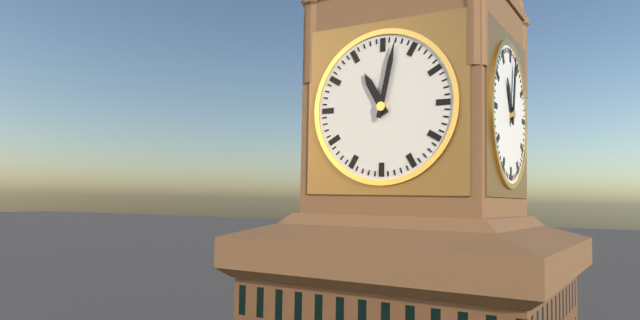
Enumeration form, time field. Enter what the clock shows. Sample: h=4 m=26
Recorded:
h=11 m=2
